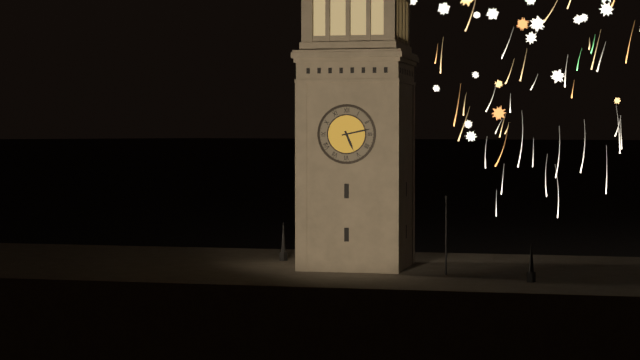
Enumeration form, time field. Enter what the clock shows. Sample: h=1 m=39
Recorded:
h=5 m=13
